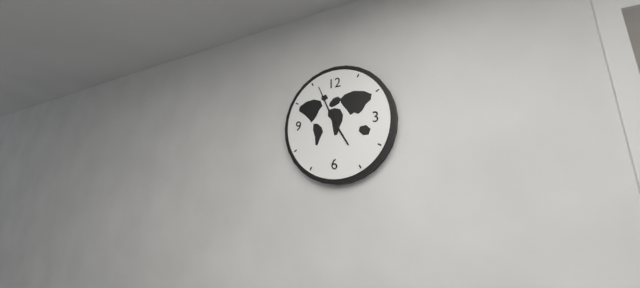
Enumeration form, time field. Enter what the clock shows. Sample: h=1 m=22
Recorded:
h=4 m=56
